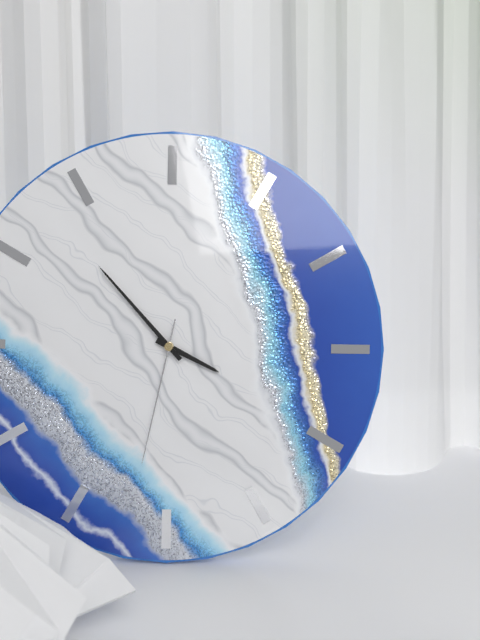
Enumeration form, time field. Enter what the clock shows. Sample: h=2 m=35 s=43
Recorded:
h=3 m=53 s=32
